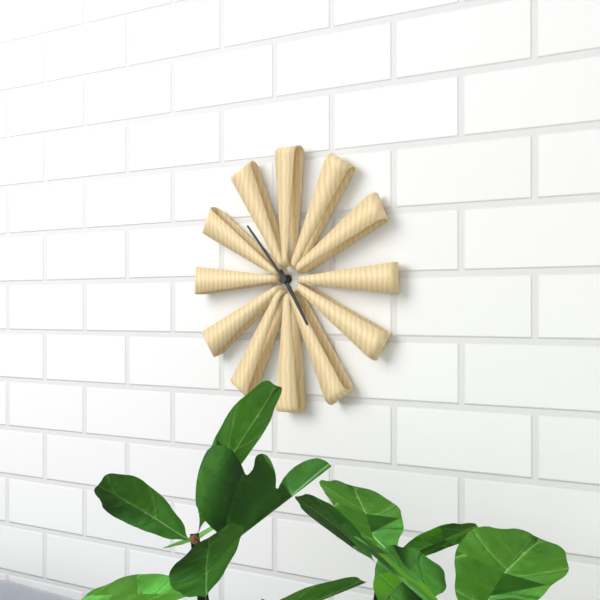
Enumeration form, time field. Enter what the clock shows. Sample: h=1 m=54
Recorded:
h=4 m=53
